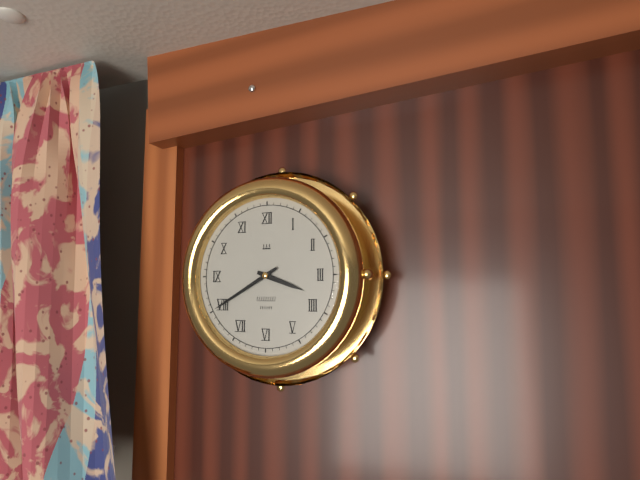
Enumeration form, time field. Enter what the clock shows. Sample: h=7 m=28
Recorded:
h=3 m=40
